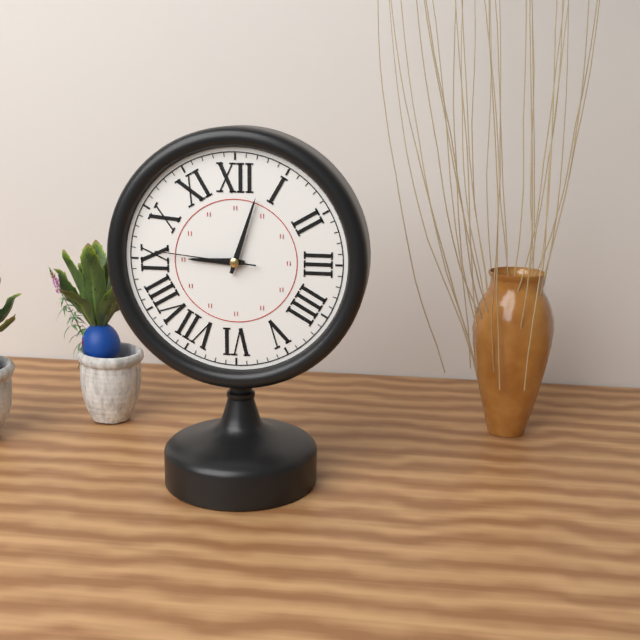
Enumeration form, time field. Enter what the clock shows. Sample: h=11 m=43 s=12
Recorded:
h=9 m=3 s=46
